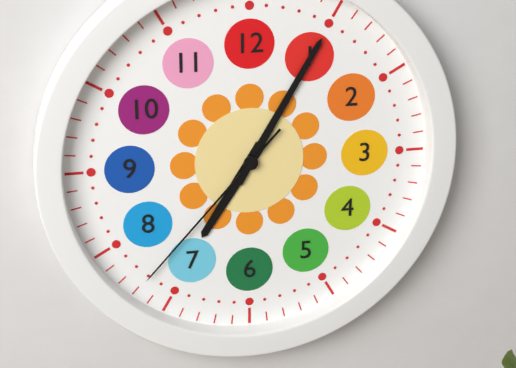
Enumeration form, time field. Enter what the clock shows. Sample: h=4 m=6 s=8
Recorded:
h=7 m=5 s=37
